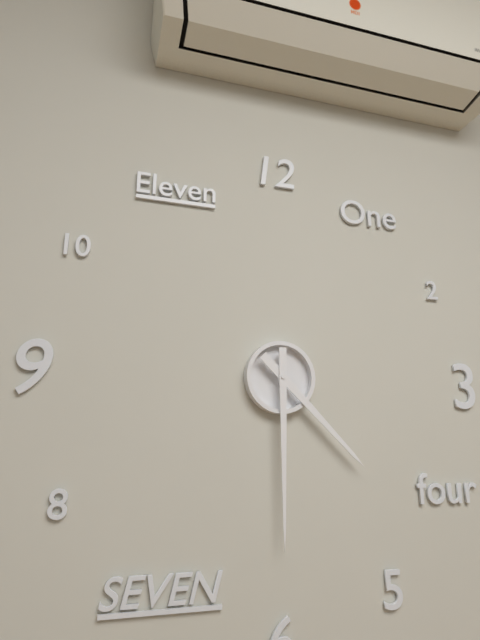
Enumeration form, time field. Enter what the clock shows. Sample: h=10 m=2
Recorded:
h=4 m=30
